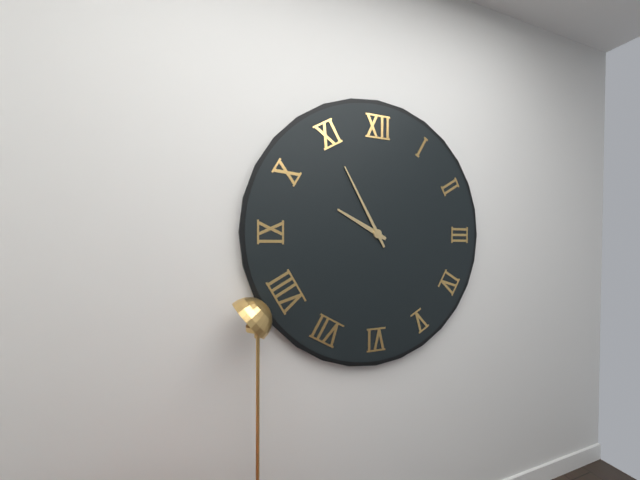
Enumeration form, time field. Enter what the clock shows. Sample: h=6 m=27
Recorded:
h=9 m=55
